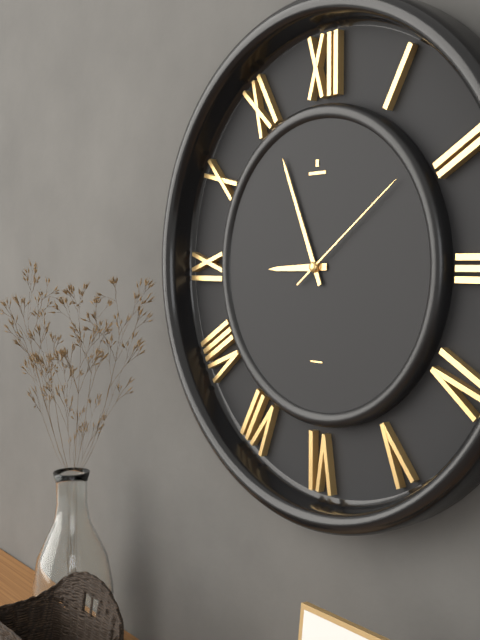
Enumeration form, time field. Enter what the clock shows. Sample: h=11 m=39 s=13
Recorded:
h=8 m=56 s=9
